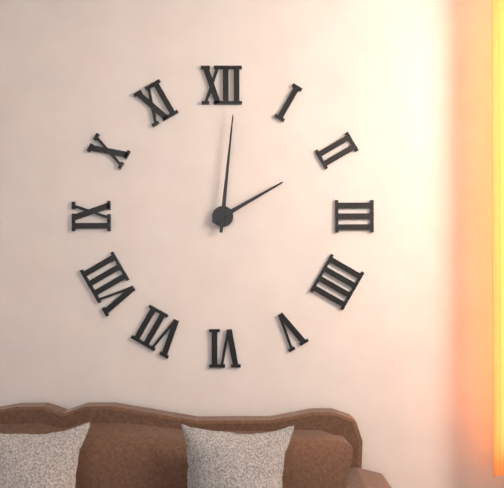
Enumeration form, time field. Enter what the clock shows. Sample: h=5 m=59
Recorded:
h=2 m=1
